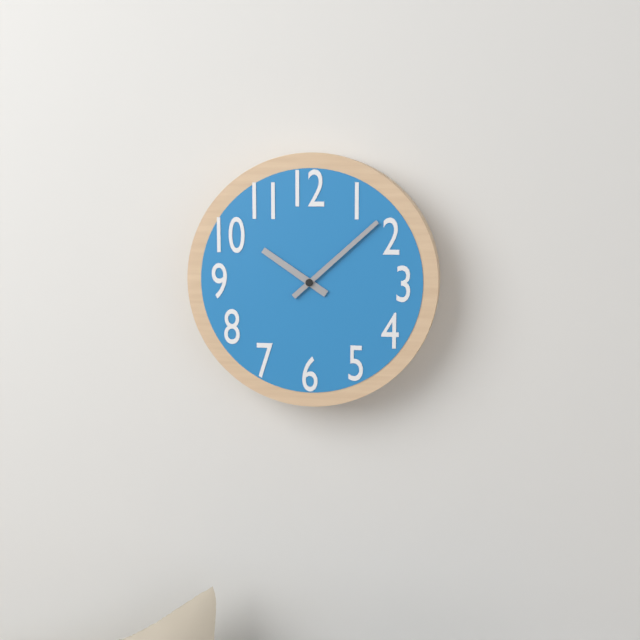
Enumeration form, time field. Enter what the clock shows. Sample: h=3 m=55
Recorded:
h=10 m=8
